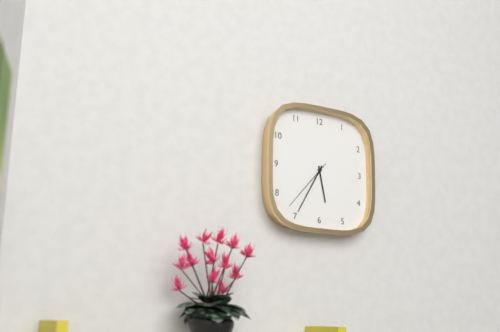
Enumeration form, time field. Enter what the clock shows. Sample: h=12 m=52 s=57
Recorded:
h=5 m=35 s=37
